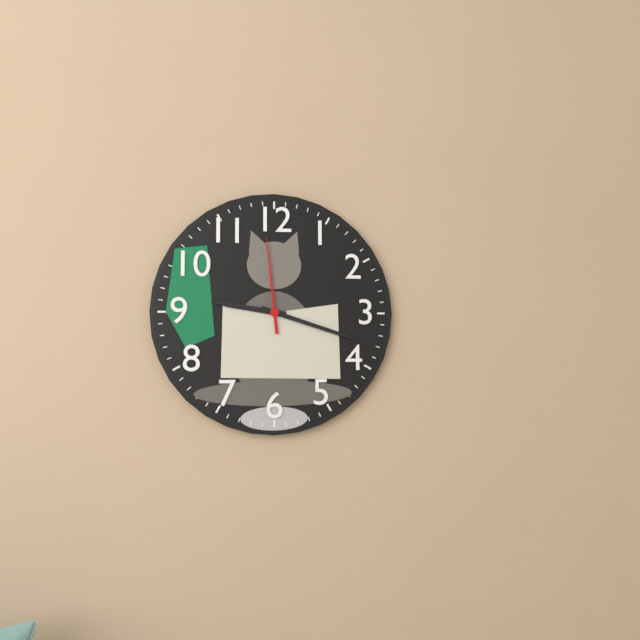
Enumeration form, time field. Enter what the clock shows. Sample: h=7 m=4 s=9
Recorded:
h=9 m=18 s=59
